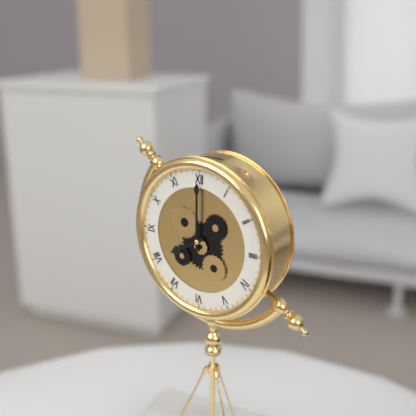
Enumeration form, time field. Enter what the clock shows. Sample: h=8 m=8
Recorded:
h=8 m=0
